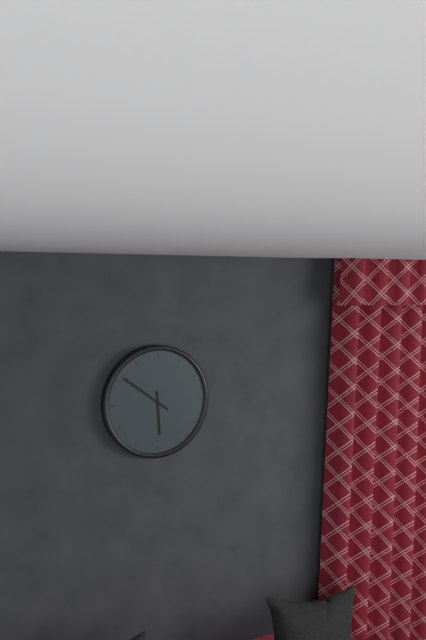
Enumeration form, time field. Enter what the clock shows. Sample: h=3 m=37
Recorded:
h=5 m=51
